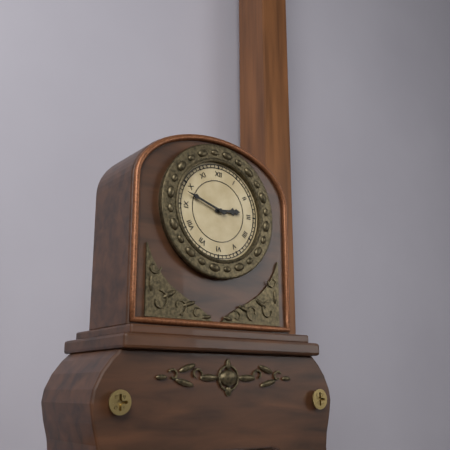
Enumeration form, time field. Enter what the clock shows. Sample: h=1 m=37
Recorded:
h=2 m=48
